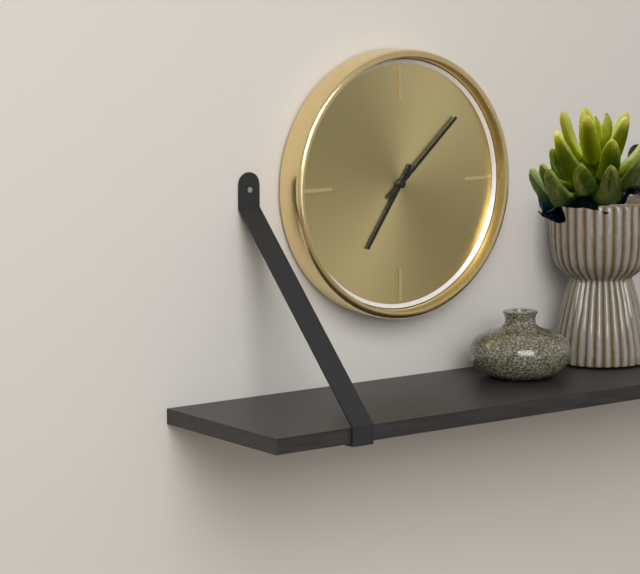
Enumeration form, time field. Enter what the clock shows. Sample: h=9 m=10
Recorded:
h=7 m=8
